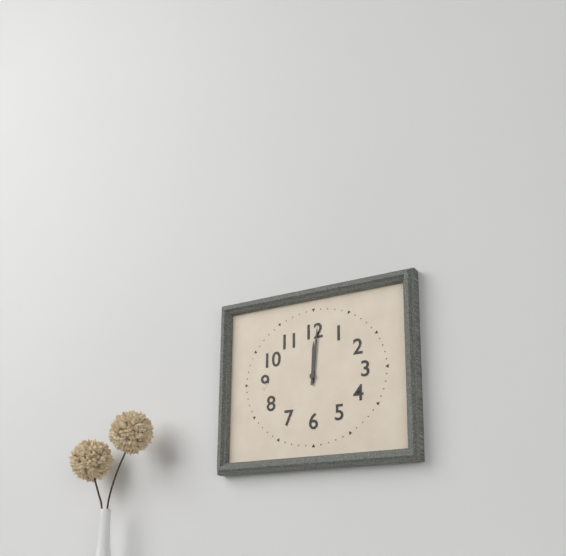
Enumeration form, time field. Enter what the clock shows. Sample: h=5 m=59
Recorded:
h=12 m=1
